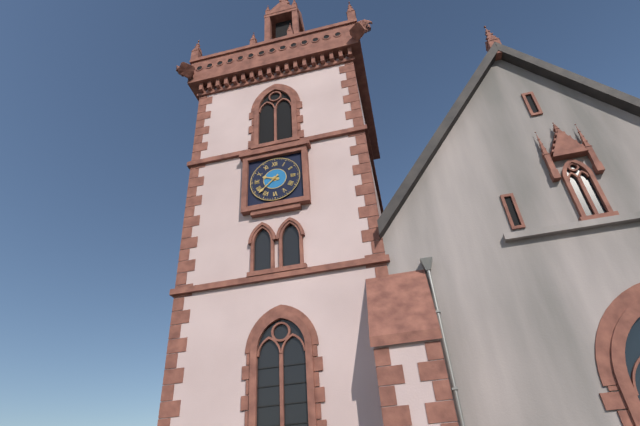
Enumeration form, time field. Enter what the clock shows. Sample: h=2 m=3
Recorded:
h=9 m=38
